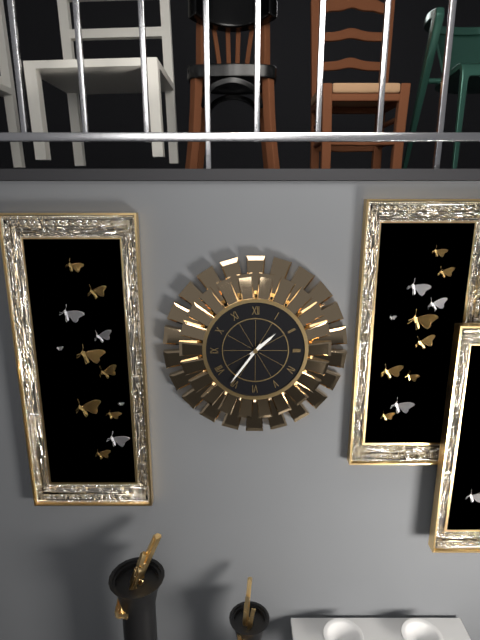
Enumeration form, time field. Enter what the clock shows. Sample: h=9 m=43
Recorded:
h=1 m=36
